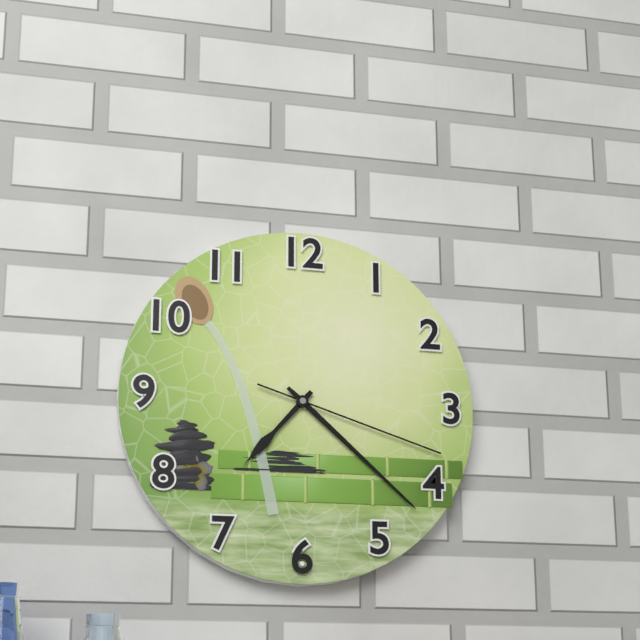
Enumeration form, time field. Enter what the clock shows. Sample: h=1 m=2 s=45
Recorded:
h=7 m=22 s=18
